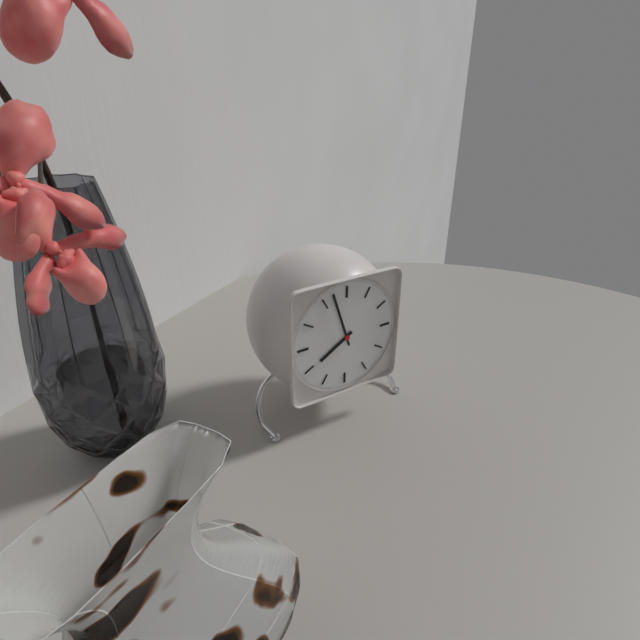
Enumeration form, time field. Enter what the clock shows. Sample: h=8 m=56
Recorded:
h=7 m=57
